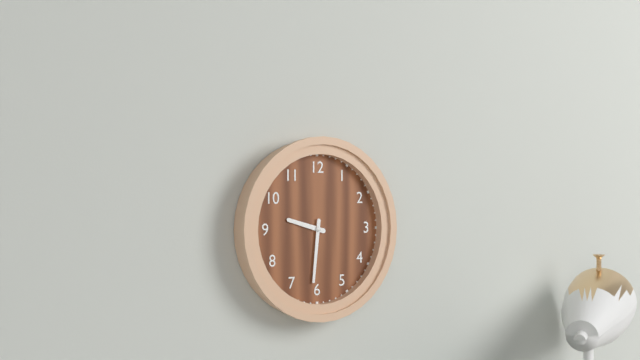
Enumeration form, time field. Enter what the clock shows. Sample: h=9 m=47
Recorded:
h=9 m=31
